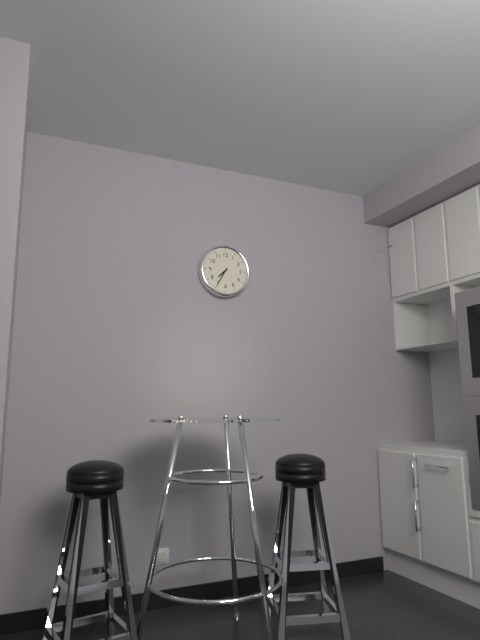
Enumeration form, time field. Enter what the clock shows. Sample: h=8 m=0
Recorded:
h=7 m=35
